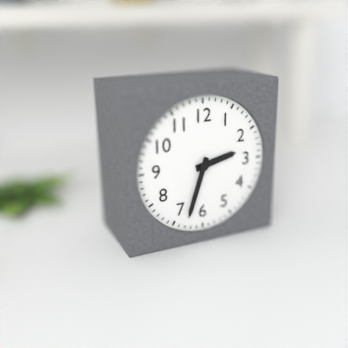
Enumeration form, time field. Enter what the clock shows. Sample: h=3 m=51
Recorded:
h=2 m=33
